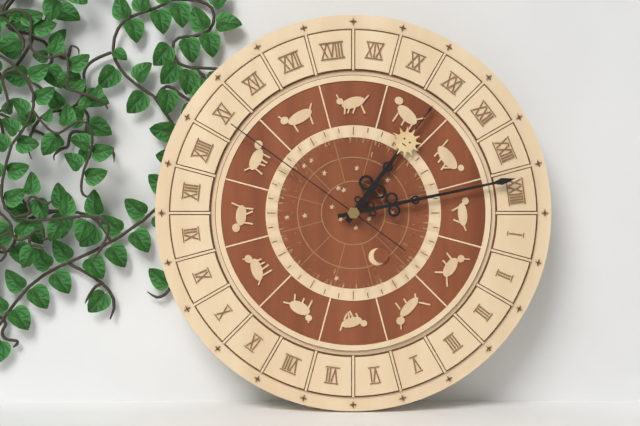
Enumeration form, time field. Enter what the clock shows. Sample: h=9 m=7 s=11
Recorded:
h=1 m=13 s=51
